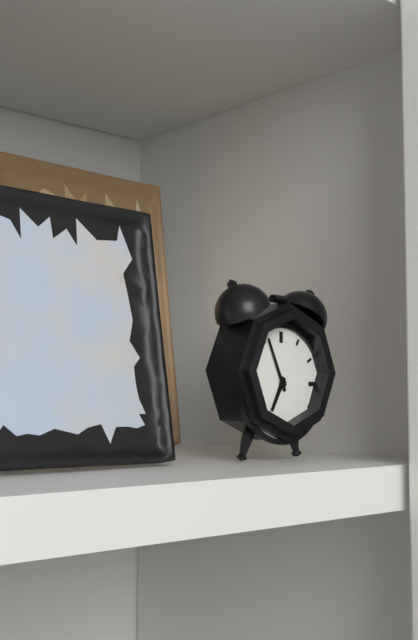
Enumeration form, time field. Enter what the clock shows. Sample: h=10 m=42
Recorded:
h=6 m=56
